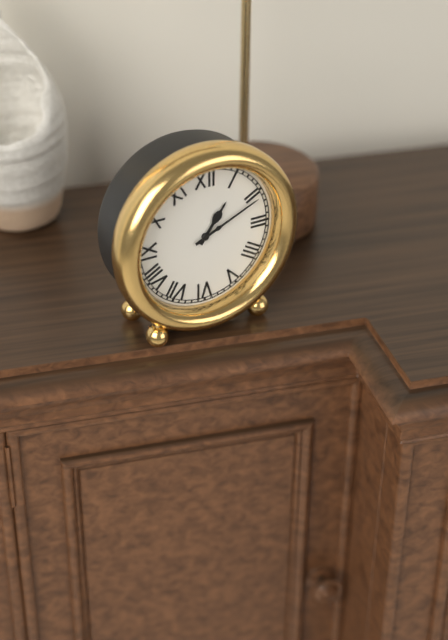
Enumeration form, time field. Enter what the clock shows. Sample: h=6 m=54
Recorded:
h=1 m=11
